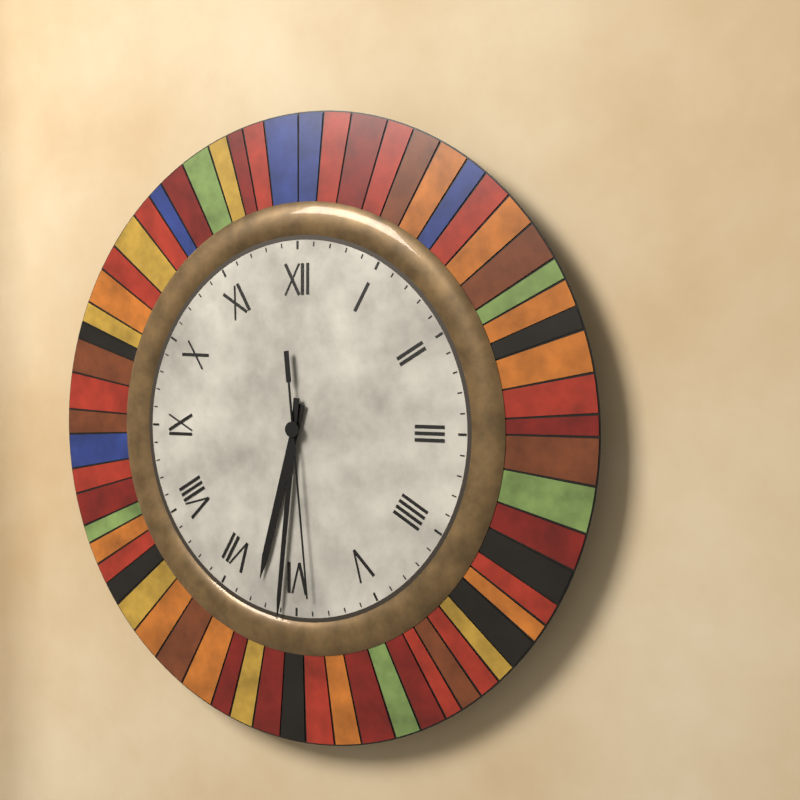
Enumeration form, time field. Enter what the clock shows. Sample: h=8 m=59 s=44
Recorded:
h=6 m=31 s=29
